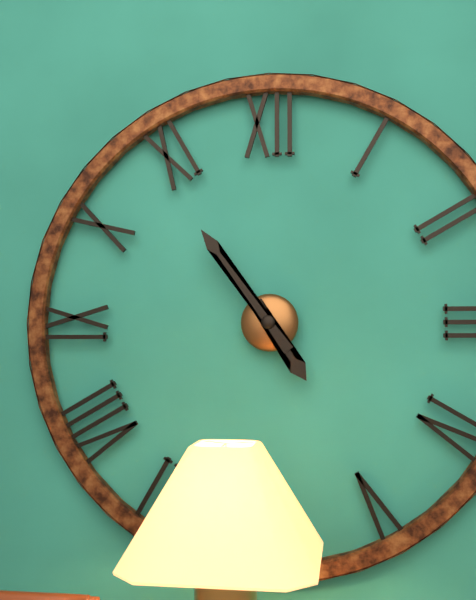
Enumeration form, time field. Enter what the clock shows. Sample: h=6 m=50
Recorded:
h=4 m=54
